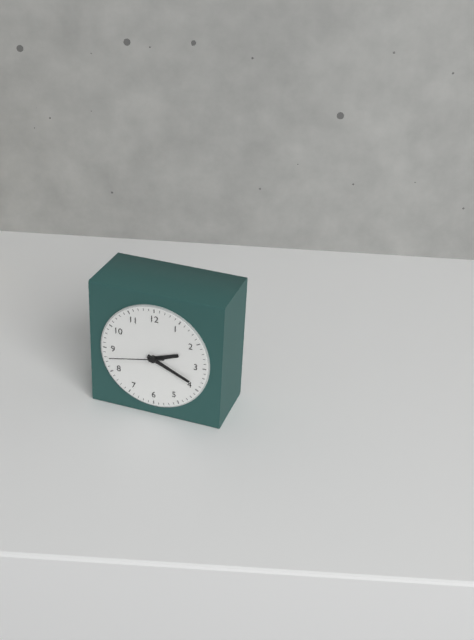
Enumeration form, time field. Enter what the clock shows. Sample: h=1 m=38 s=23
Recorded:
h=2 m=19 s=43
